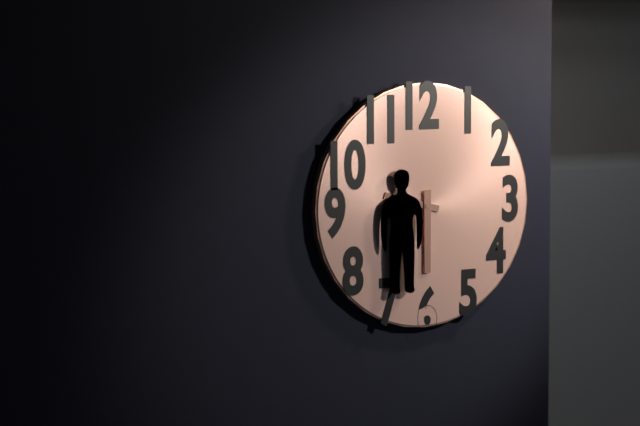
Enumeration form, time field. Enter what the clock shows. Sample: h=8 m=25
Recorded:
h=9 m=30
